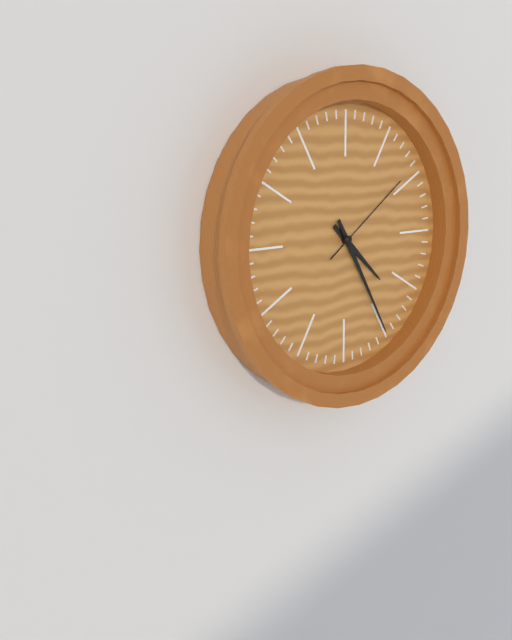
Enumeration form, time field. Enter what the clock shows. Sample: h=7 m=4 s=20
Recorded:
h=4 m=25 s=9
